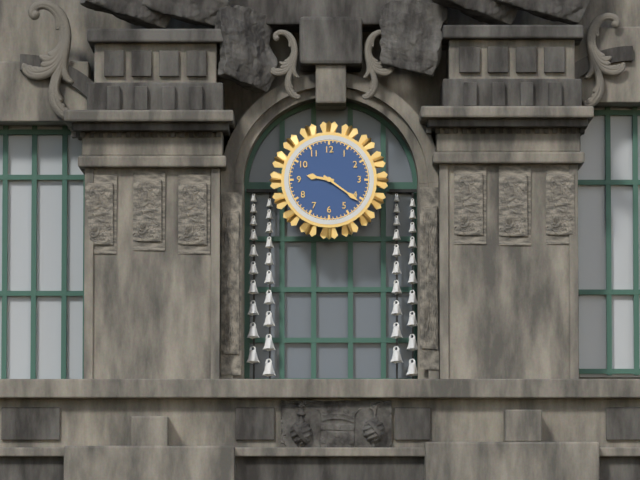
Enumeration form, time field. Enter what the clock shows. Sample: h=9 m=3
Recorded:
h=9 m=21
